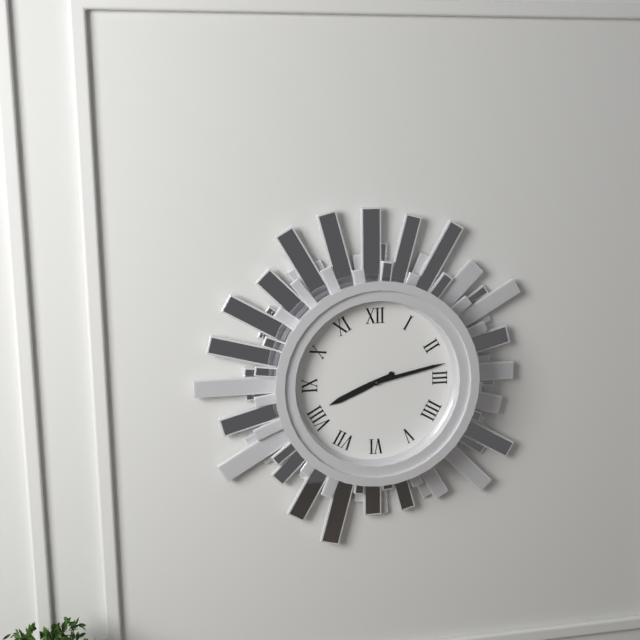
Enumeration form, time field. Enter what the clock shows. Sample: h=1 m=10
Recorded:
h=8 m=13
